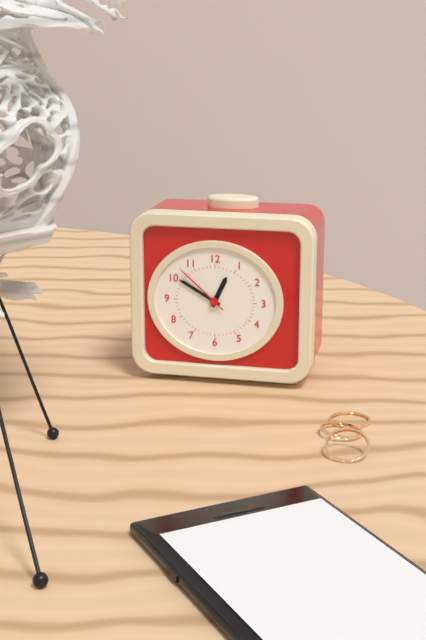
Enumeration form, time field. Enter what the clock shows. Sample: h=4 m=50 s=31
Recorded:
h=12 m=50 s=52
